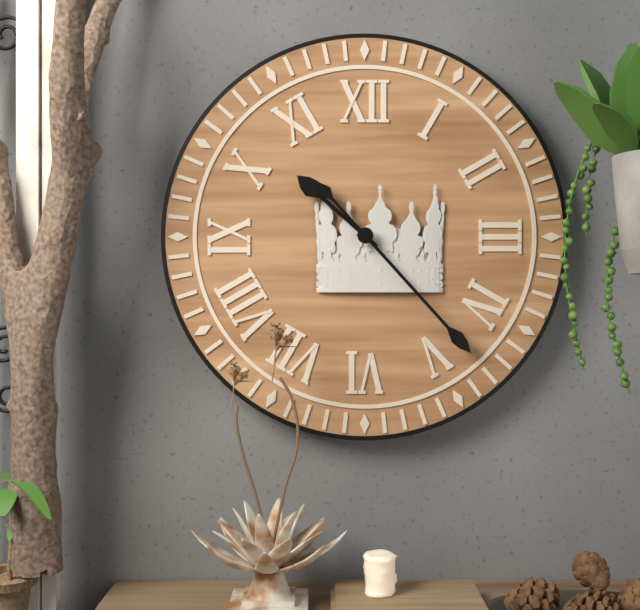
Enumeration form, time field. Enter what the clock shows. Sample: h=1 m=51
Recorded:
h=10 m=23
